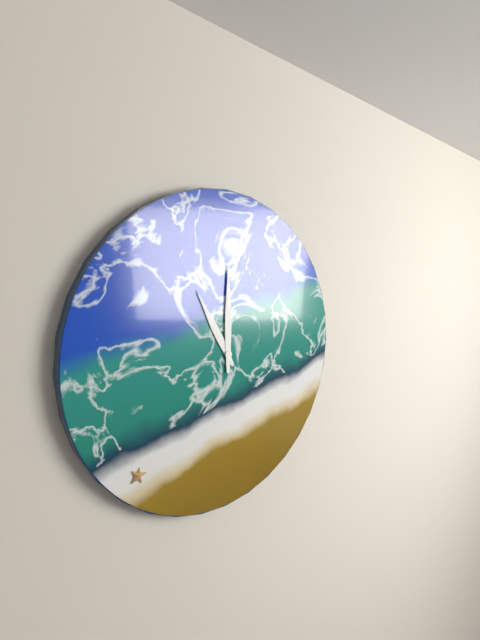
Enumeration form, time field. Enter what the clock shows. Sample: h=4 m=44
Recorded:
h=11 m=0
